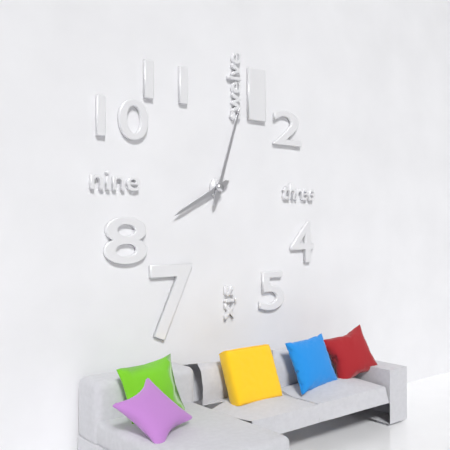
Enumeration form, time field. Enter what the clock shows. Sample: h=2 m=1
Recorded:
h=8 m=3
